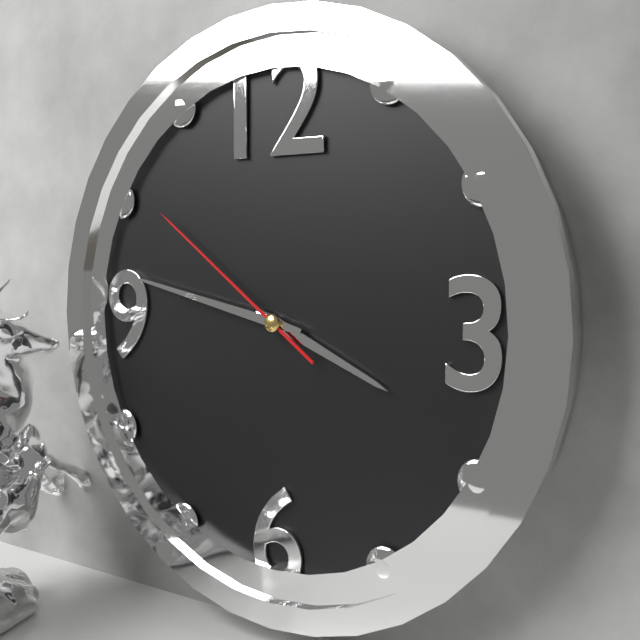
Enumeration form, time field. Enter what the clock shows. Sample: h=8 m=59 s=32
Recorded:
h=3 m=47 s=51
